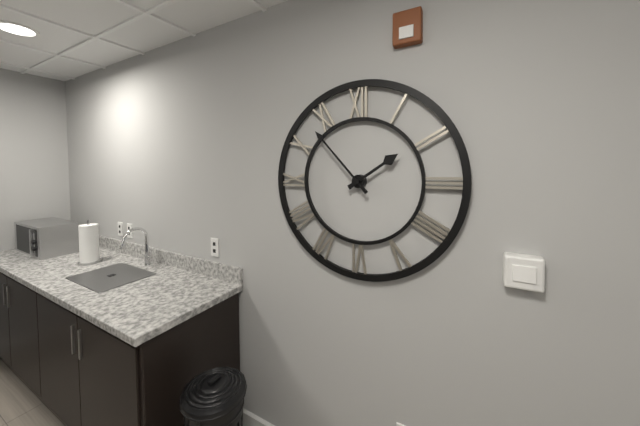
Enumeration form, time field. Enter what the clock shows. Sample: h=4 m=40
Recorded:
h=1 m=53
